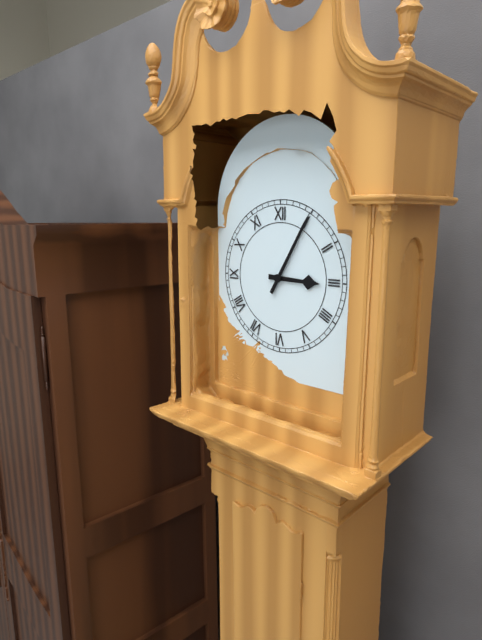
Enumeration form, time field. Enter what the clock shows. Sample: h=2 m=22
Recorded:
h=3 m=5
